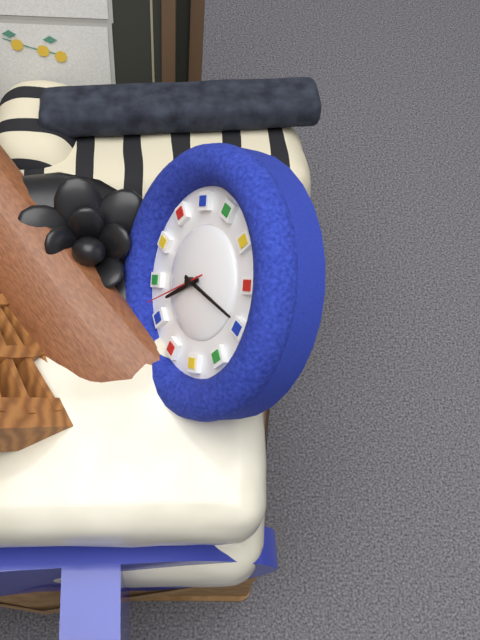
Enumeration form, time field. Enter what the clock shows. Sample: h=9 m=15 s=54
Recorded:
h=8 m=19 s=42
